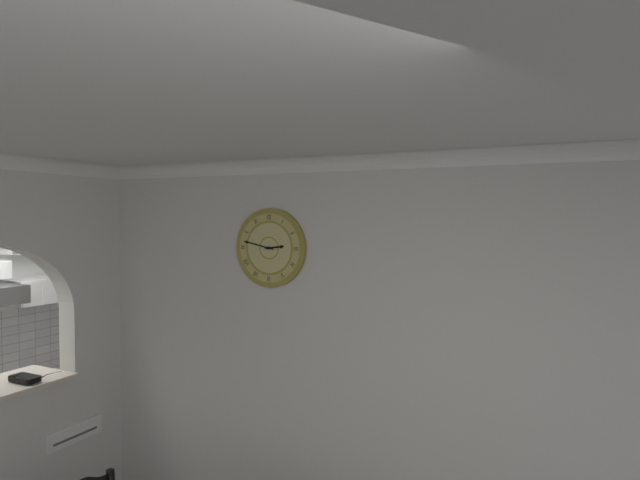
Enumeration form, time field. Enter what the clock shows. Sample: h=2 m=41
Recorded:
h=2 m=47
